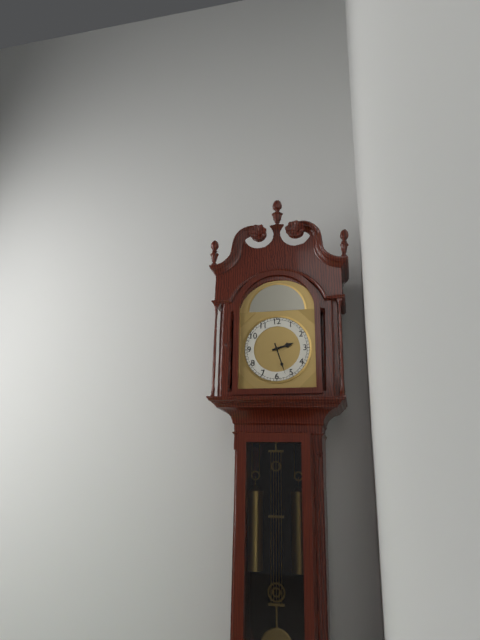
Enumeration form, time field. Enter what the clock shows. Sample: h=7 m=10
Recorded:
h=2 m=27
